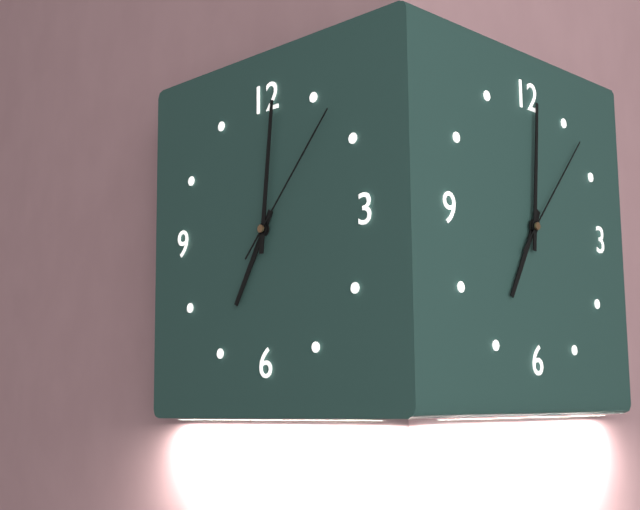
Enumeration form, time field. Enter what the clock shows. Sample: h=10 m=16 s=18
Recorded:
h=7 m=1 s=7
